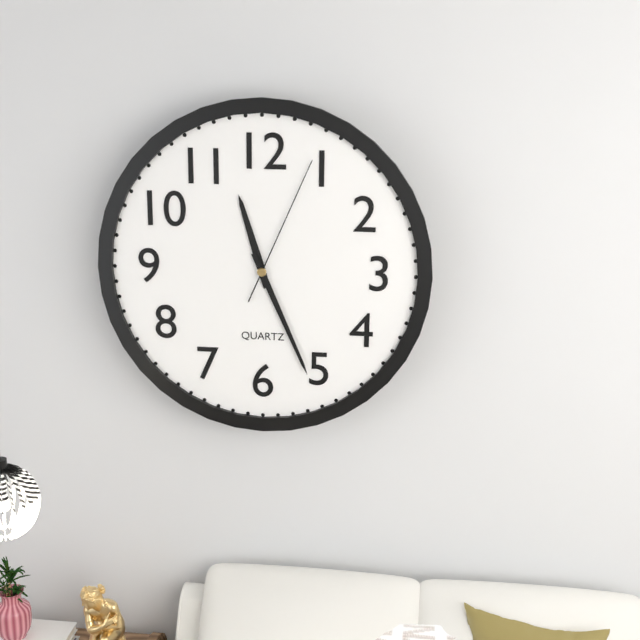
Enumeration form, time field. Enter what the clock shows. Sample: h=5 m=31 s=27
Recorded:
h=11 m=26 s=4
